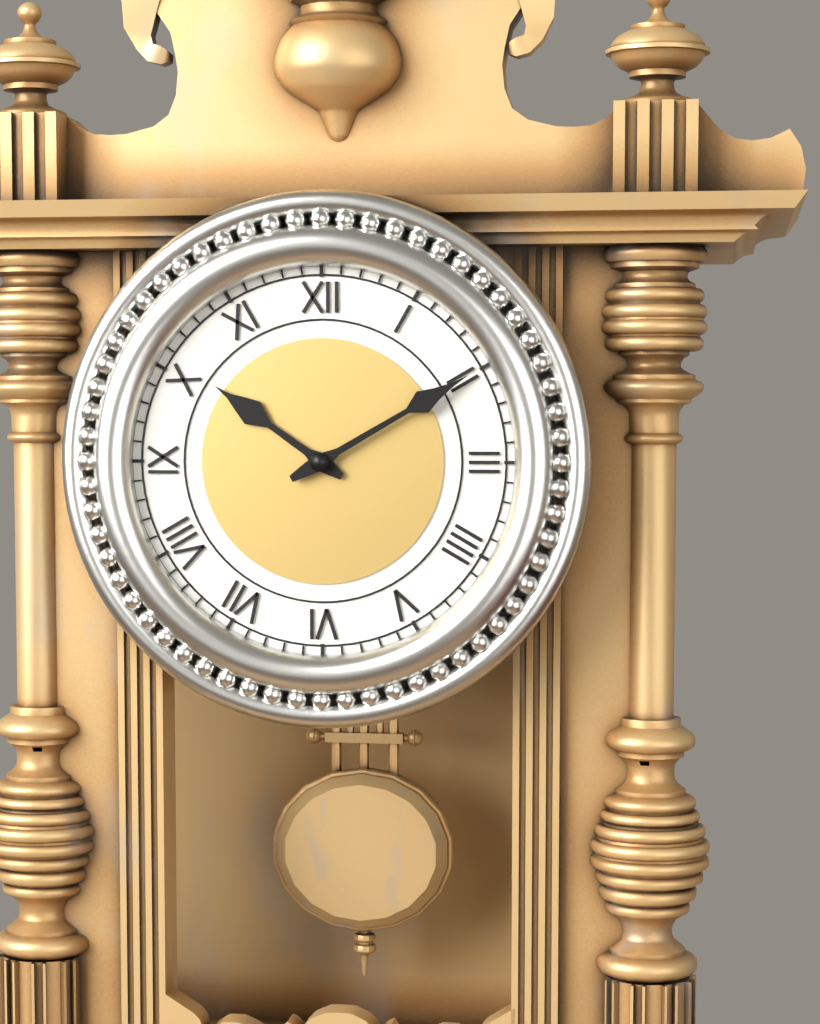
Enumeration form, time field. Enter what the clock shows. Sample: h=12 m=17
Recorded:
h=10 m=10
